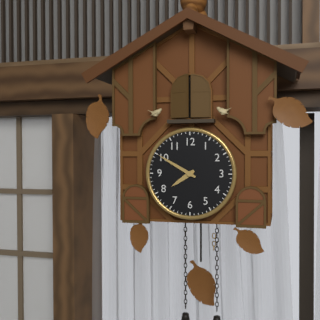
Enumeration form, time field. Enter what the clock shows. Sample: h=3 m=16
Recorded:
h=7 m=50
